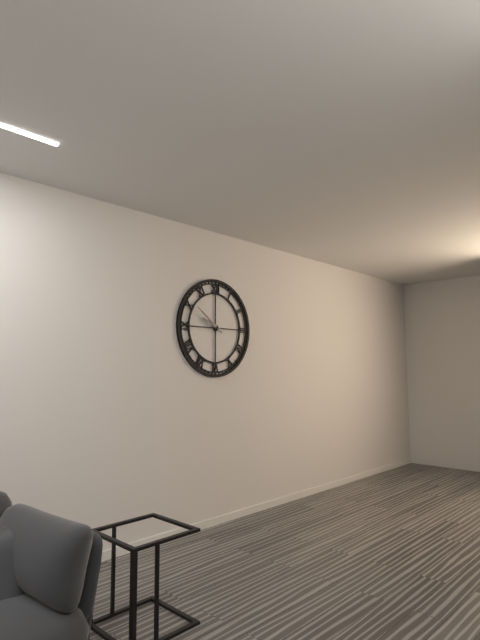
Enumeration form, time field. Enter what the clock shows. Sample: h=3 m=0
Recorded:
h=9 m=51
